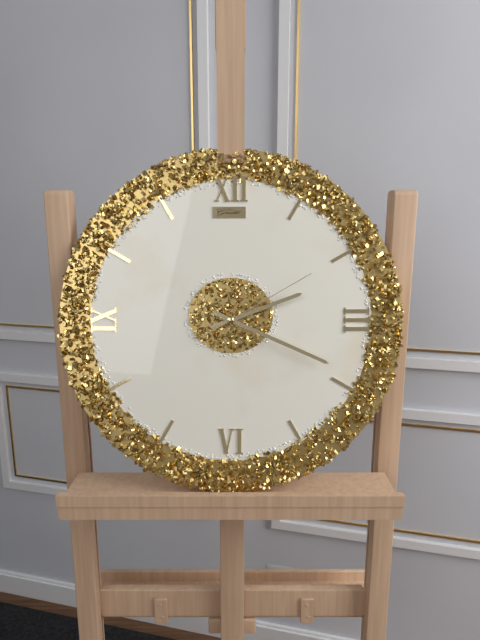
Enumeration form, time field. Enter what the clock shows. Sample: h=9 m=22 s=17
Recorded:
h=2 m=19 s=10
